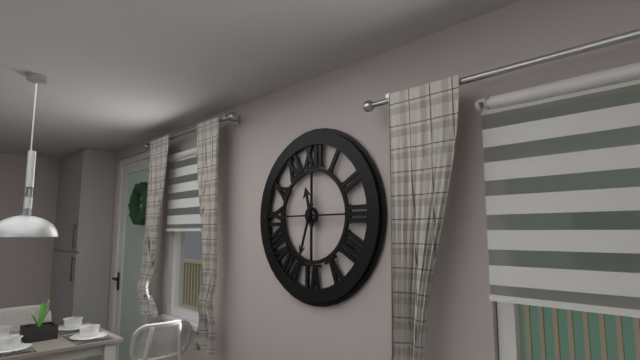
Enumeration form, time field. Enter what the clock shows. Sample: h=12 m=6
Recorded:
h=11 m=33
